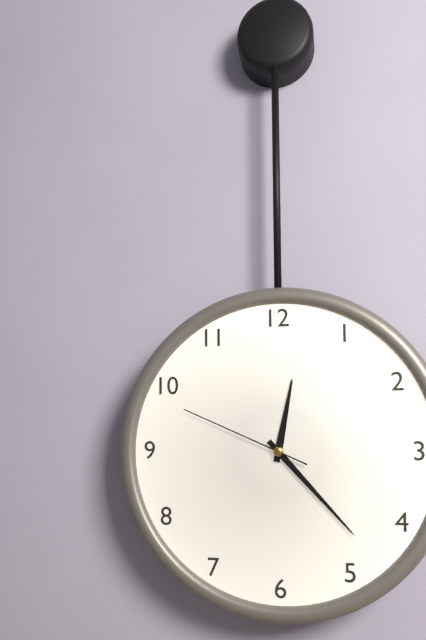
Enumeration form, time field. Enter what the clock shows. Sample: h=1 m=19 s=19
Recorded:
h=12 m=23 s=49
